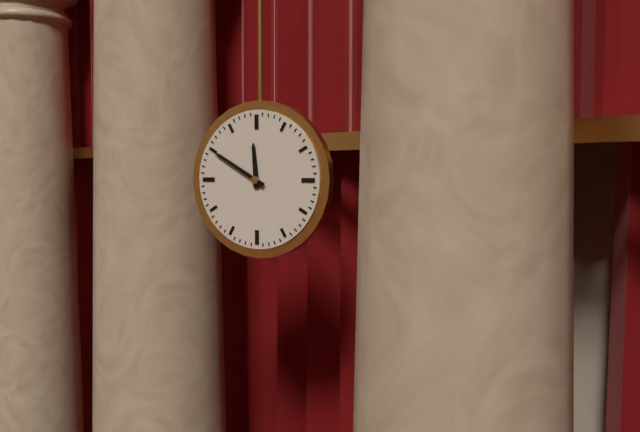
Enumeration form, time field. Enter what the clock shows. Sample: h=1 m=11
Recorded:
h=11 m=50
